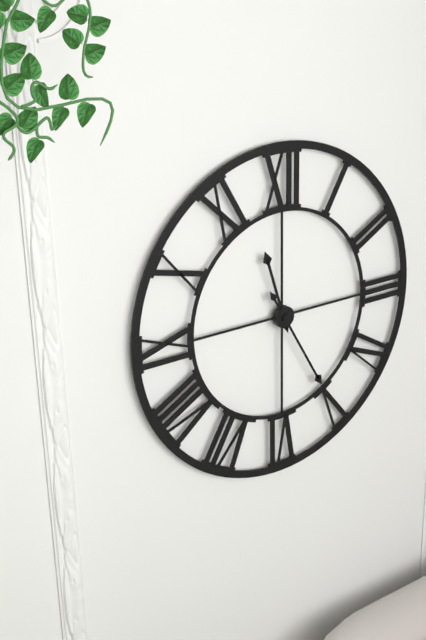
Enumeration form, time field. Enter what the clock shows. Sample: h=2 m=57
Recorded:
h=11 m=25
